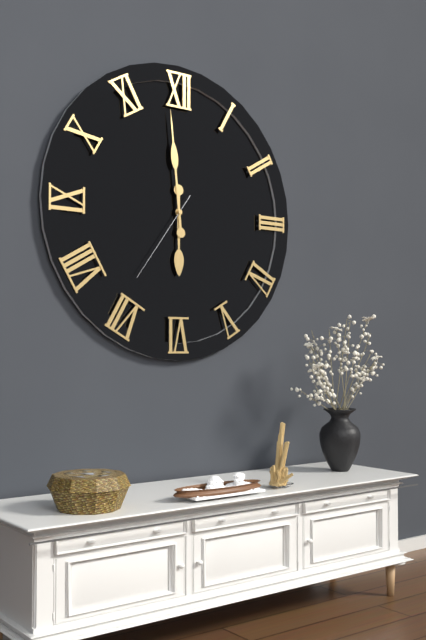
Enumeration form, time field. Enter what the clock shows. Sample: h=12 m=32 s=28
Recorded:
h=5 m=59 s=36
